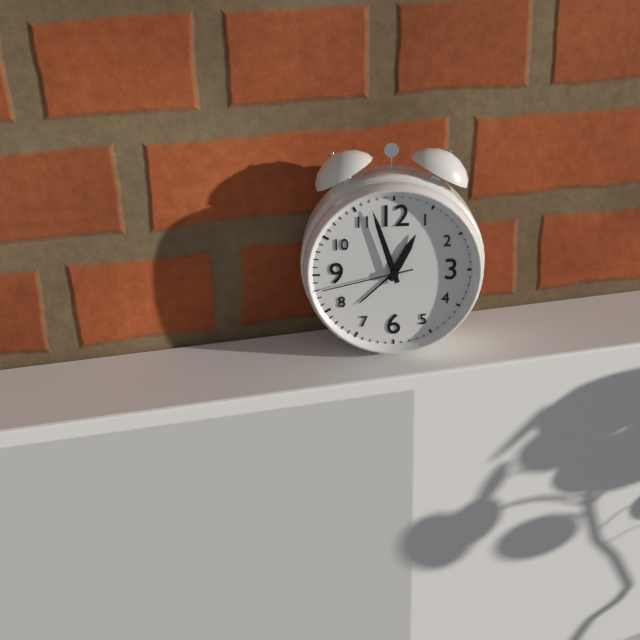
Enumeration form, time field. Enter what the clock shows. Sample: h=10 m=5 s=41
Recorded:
h=12 m=57 s=43
